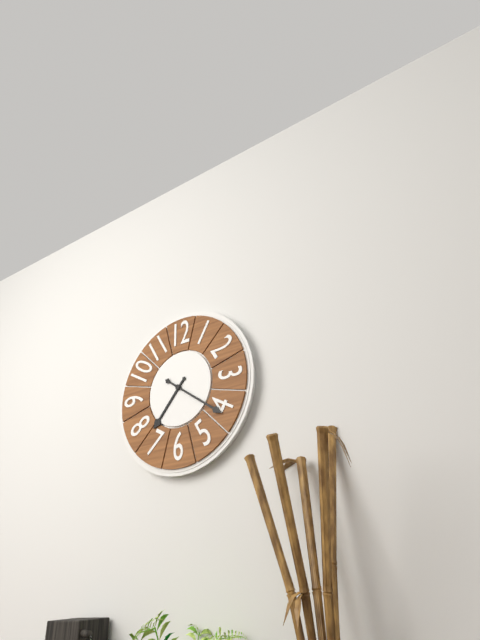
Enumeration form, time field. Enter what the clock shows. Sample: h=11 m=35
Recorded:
h=7 m=21
